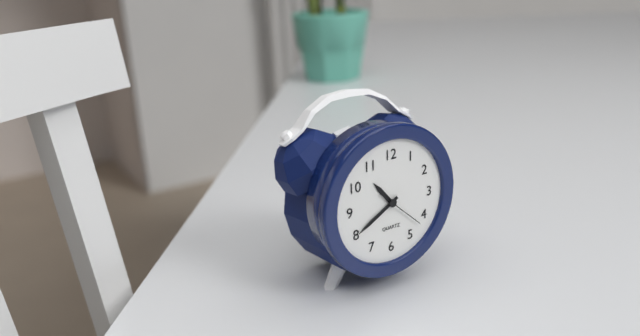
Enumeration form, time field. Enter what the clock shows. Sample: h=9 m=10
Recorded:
h=10 m=40
